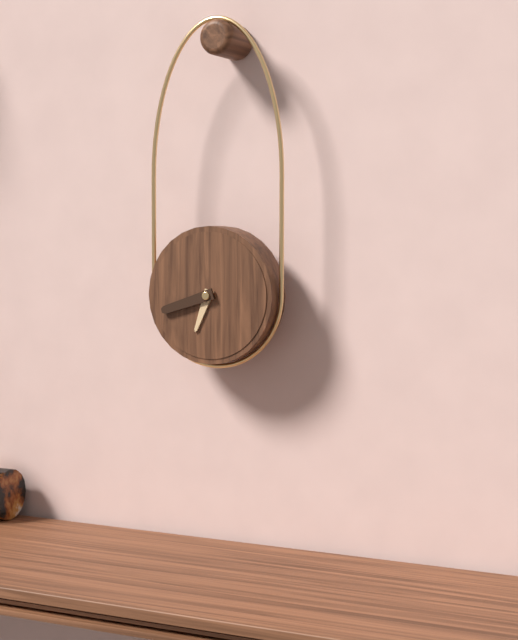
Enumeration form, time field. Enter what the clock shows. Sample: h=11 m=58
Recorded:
h=6 m=42
